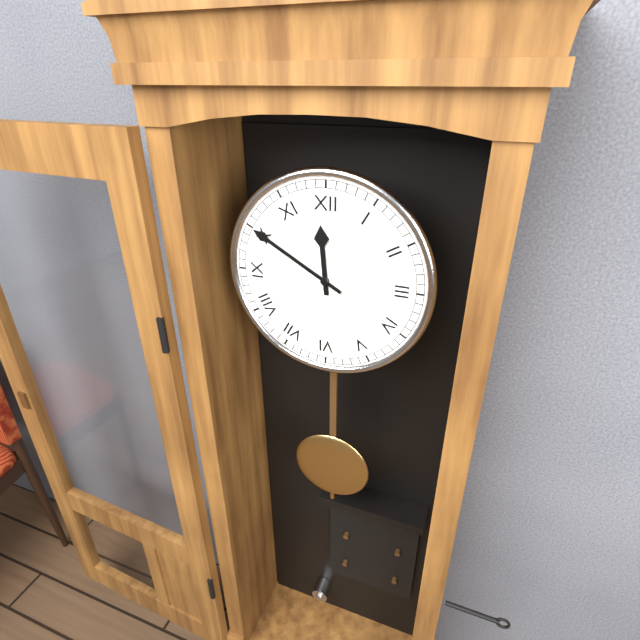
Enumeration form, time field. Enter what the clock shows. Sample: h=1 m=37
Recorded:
h=11 m=50
